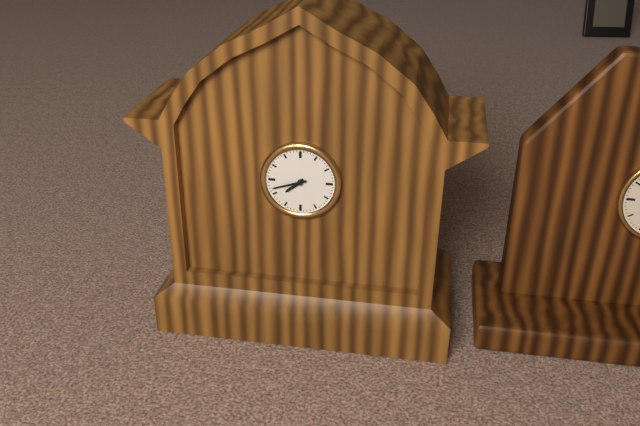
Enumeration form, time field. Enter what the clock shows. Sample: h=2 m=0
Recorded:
h=7 m=42
